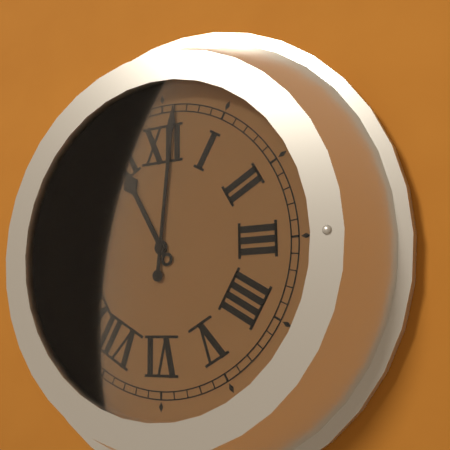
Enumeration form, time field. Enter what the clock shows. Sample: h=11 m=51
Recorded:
h=11 m=1
